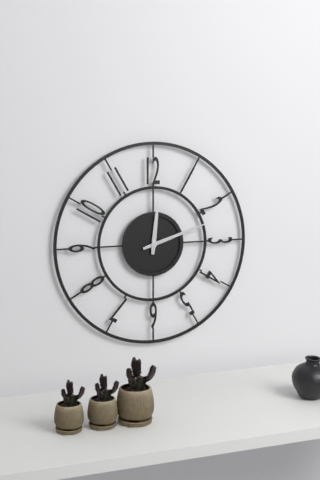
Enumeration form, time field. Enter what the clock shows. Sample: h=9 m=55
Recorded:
h=12 m=12
